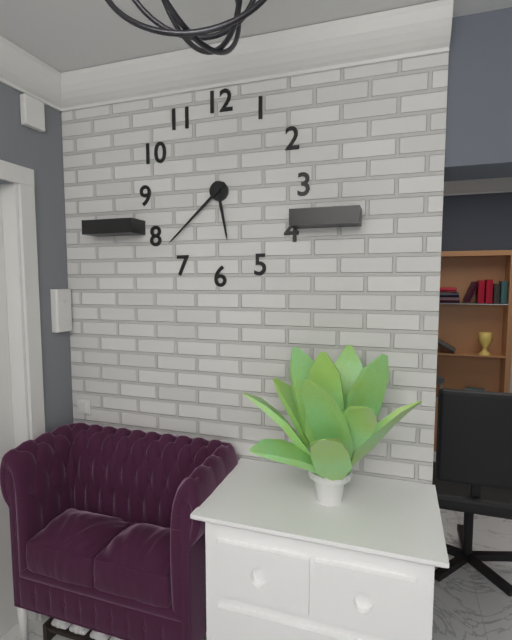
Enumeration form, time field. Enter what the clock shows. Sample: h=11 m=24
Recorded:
h=5 m=38
